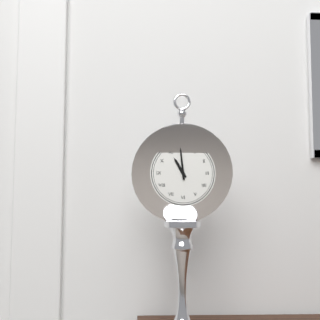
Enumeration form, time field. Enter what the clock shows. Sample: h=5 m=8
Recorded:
h=10 m=59
